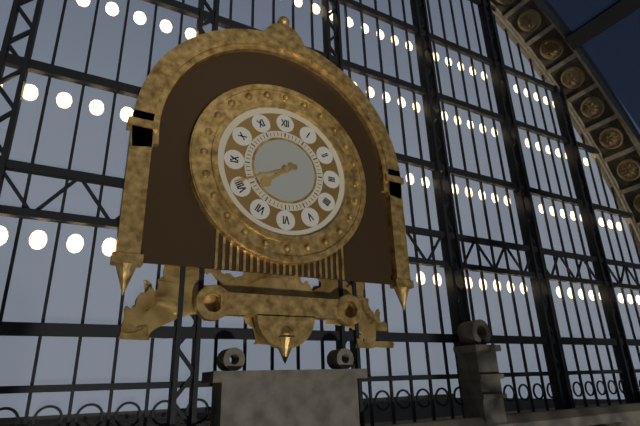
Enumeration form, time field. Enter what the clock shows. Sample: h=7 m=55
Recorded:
h=7 m=41
